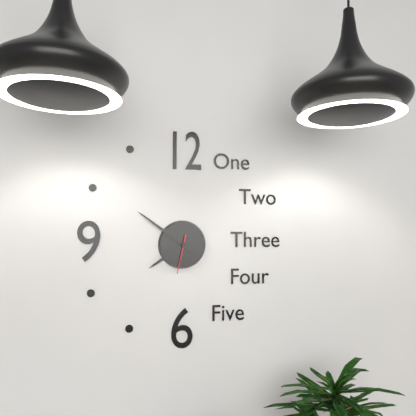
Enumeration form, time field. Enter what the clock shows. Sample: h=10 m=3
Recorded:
h=7 m=51
